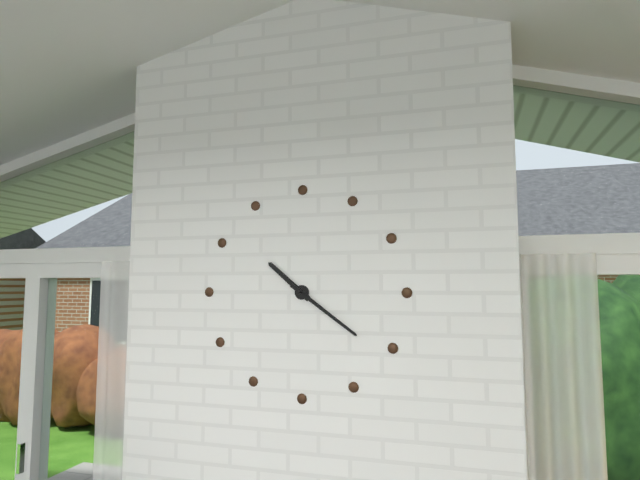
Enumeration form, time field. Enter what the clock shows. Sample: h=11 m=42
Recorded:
h=10 m=21
